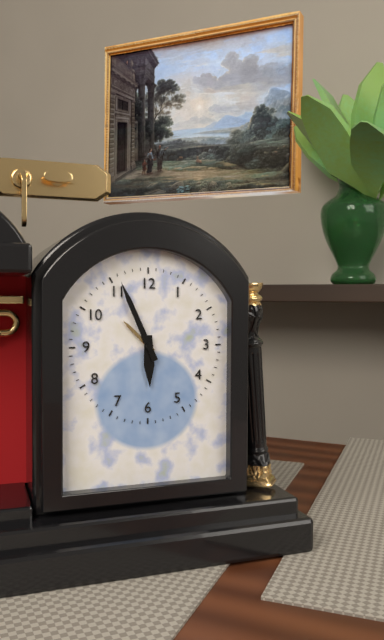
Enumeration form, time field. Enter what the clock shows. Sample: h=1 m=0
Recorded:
h=5 m=56
